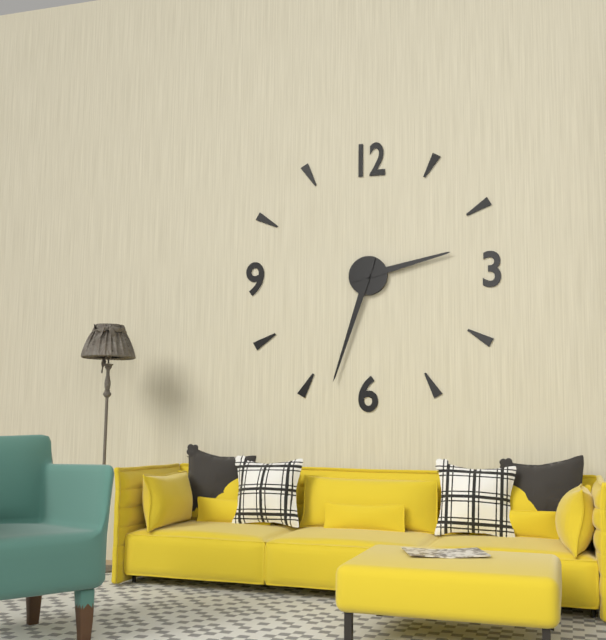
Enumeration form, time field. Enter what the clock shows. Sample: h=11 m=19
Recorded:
h=2 m=33
